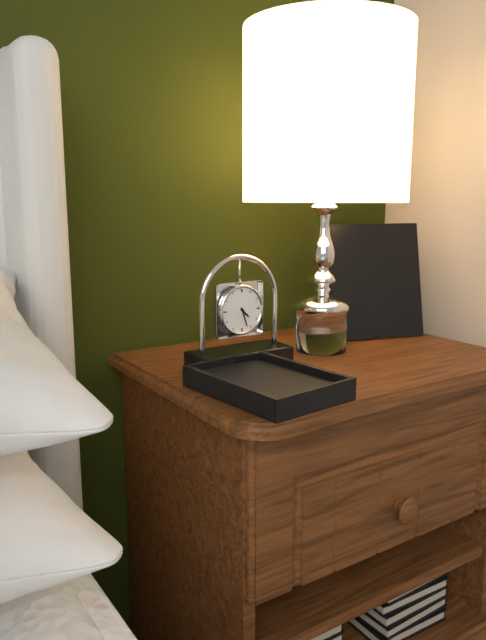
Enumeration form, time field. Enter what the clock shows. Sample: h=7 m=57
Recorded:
h=4 m=27
